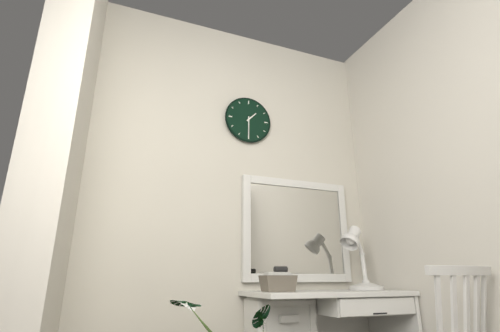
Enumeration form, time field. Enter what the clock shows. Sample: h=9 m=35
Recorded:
h=1 m=30
